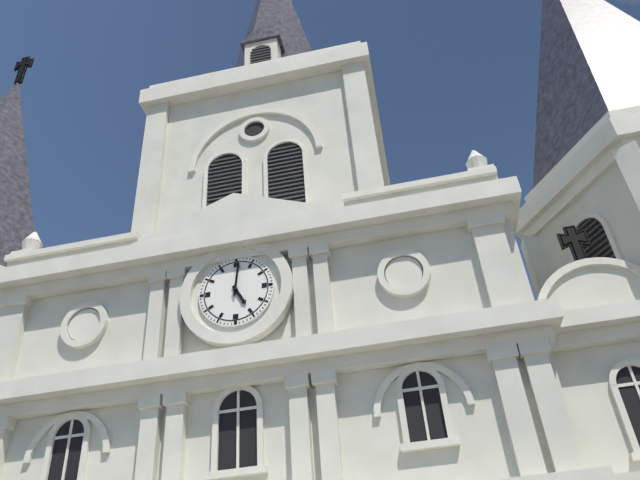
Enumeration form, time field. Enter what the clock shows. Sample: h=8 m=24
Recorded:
h=5 m=1
